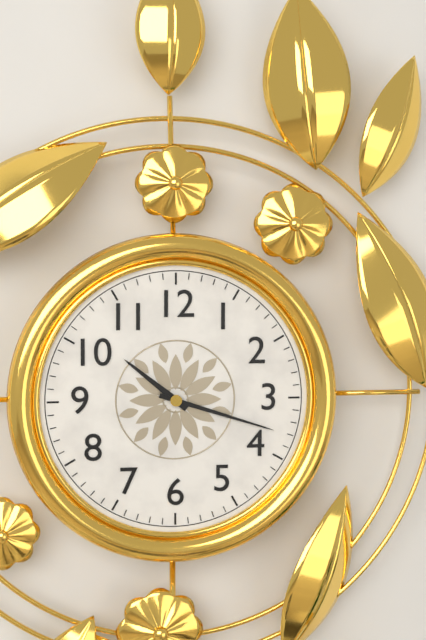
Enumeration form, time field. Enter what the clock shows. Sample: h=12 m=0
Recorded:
h=10 m=18
